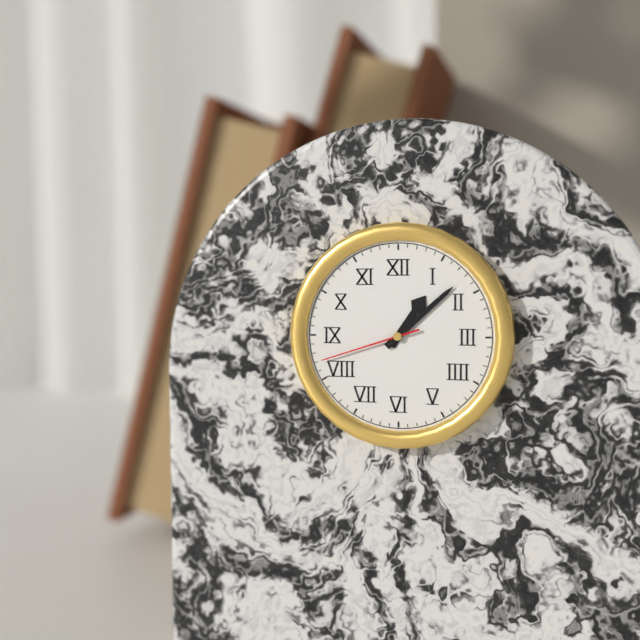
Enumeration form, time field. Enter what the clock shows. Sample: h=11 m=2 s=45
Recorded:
h=1 m=8 s=42
